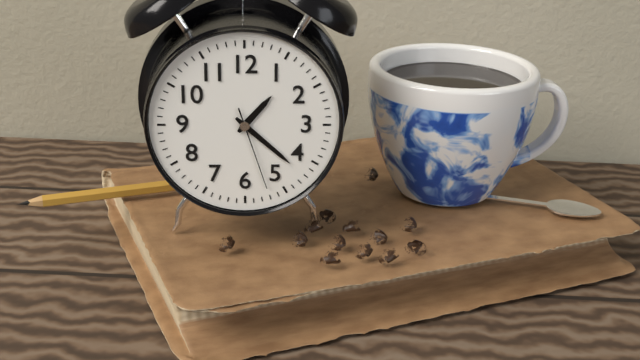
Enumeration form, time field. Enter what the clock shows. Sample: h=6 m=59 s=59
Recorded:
h=1 m=22 s=27
